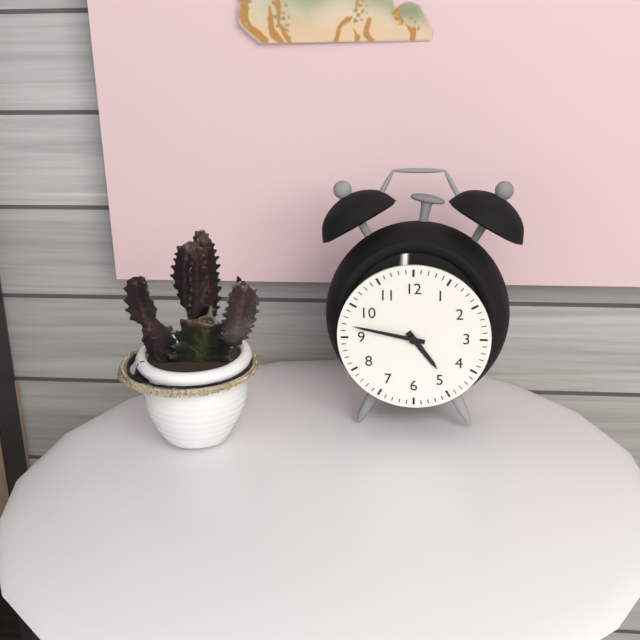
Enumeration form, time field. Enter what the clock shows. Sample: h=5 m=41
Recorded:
h=4 m=47
